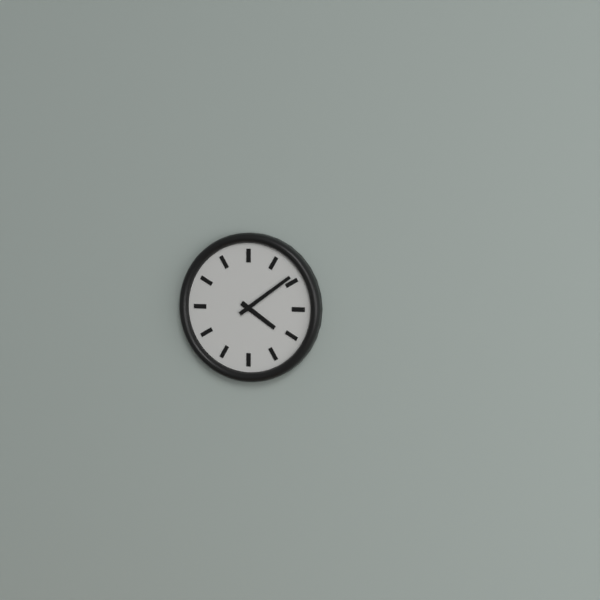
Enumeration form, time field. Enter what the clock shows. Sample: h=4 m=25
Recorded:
h=4 m=9
